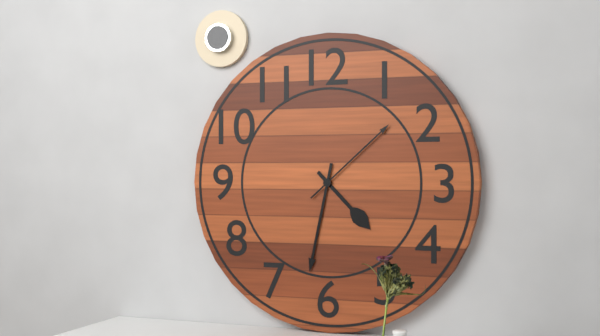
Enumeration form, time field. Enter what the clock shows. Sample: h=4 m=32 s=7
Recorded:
h=4 m=32 s=8
